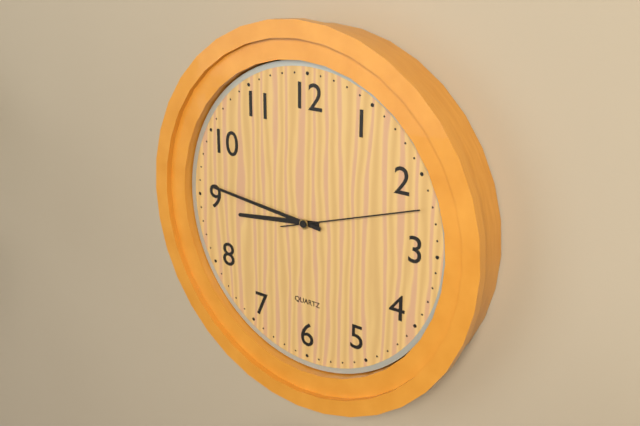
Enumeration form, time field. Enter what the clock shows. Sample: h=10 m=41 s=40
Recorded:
h=8 m=46 s=12
